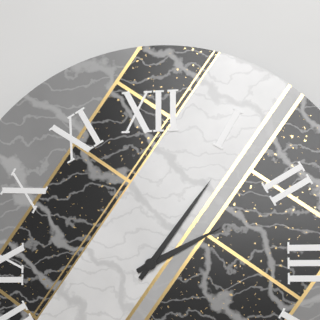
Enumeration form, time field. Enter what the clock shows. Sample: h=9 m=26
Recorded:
h=2 m=6
